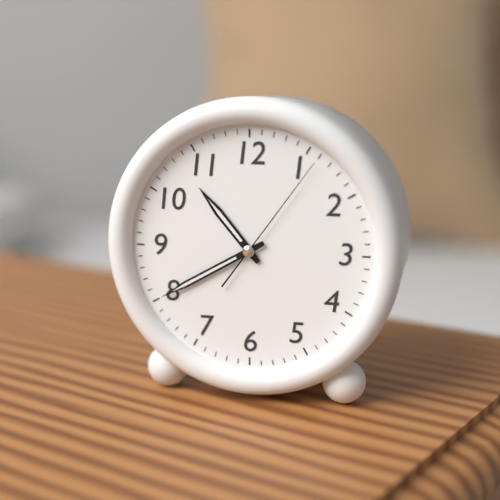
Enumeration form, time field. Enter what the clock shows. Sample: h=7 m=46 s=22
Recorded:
h=10 m=40 s=6
